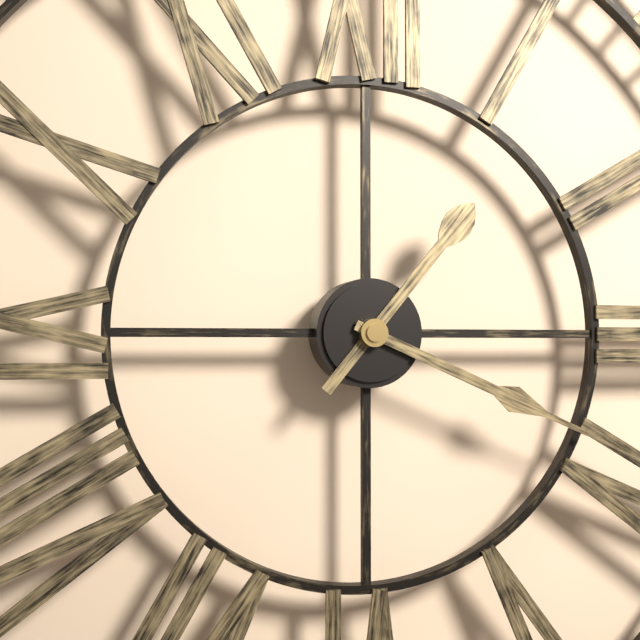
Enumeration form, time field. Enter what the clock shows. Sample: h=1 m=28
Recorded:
h=1 m=19
